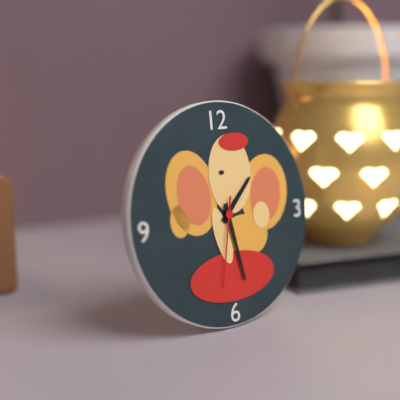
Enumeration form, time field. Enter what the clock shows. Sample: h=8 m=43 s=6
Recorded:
h=1 m=28 s=32
